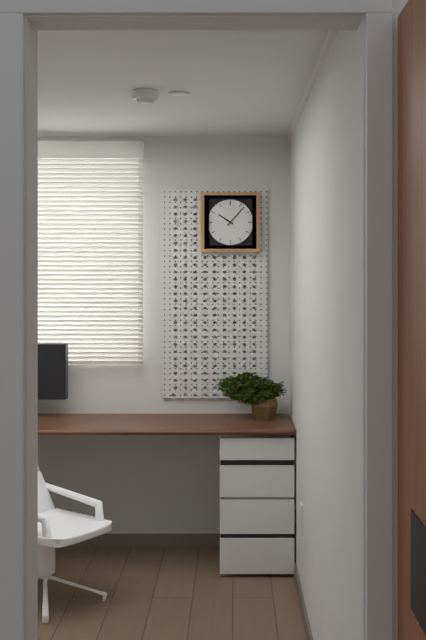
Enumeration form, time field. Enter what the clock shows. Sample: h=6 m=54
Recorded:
h=10 m=7
